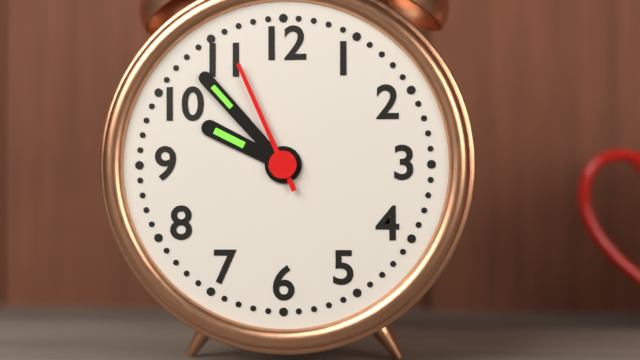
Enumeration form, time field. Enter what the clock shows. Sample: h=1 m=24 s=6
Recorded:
h=9 m=53 s=56
